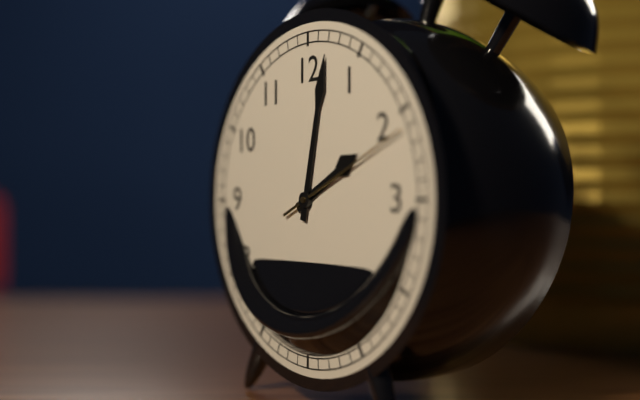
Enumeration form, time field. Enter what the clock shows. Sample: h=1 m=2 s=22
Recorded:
h=2 m=2 s=11
